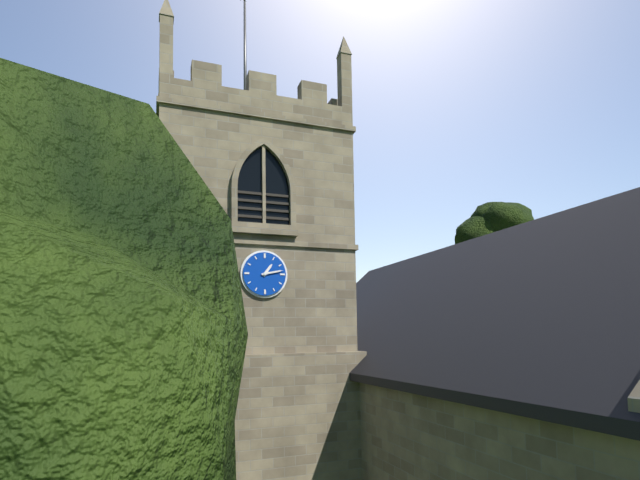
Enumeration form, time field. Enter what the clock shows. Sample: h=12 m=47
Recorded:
h=1 m=13
